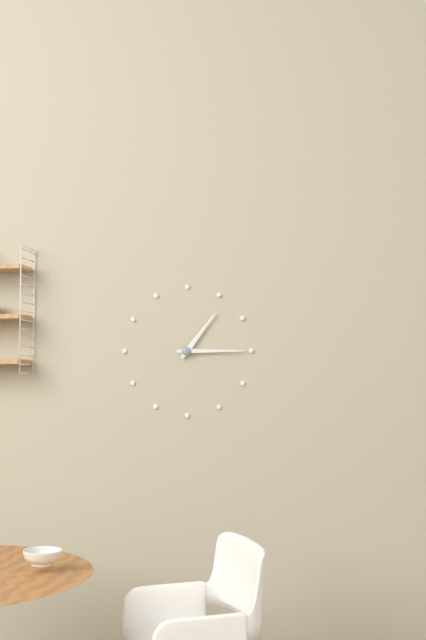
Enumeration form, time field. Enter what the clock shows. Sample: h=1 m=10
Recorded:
h=1 m=15
